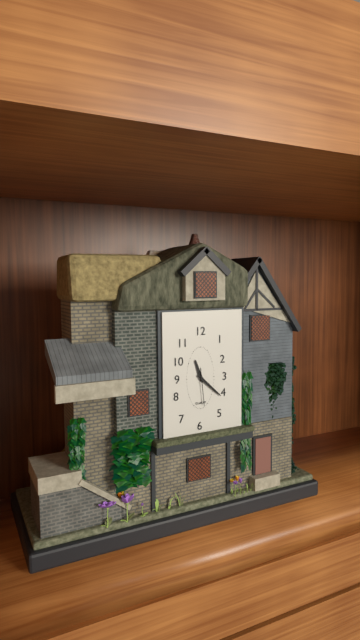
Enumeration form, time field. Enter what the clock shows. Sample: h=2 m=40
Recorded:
h=11 m=22
